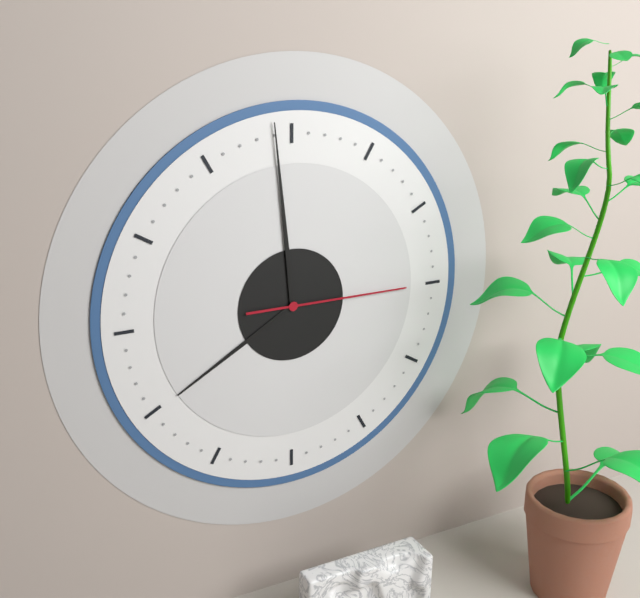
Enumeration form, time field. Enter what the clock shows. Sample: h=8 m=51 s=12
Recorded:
h=7 m=59 s=15
